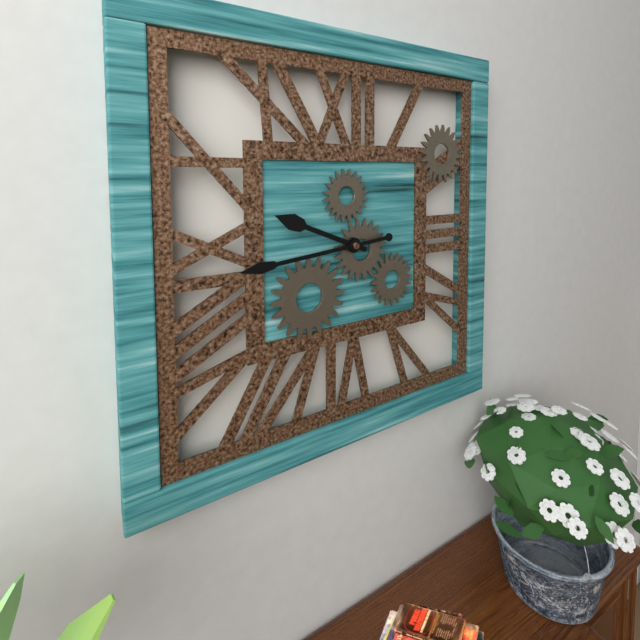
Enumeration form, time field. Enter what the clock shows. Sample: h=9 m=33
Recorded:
h=9 m=44
